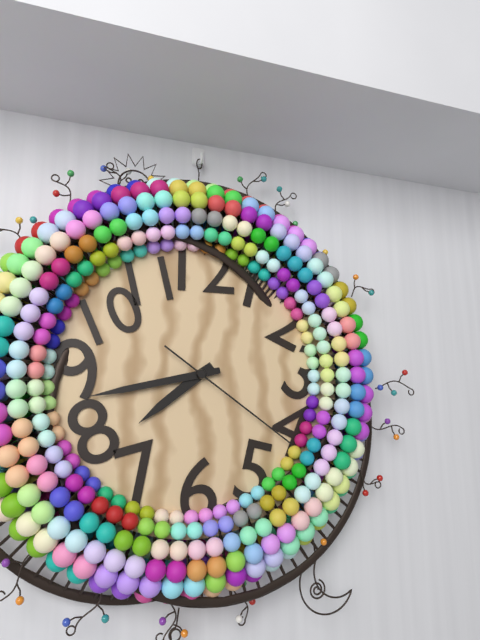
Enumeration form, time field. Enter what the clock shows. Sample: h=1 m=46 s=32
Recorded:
h=7 m=43 s=21
